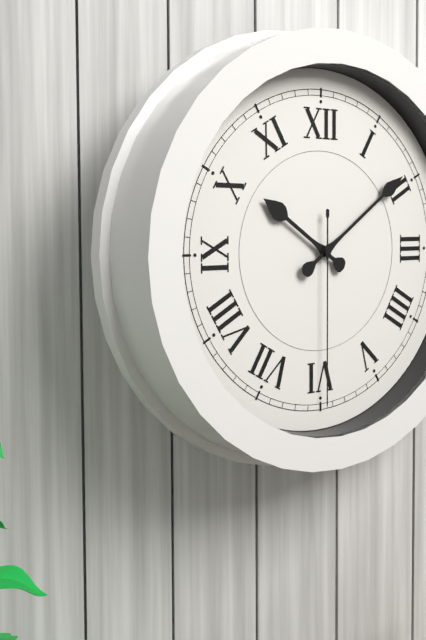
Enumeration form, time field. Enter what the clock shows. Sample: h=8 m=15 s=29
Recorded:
h=10 m=9 s=30
